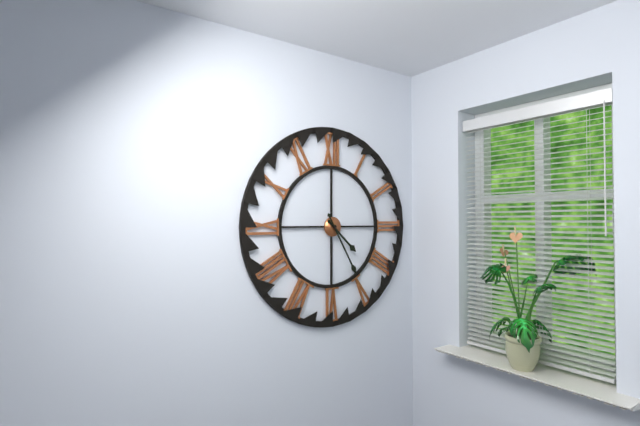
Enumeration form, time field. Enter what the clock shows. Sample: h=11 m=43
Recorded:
h=4 m=25
